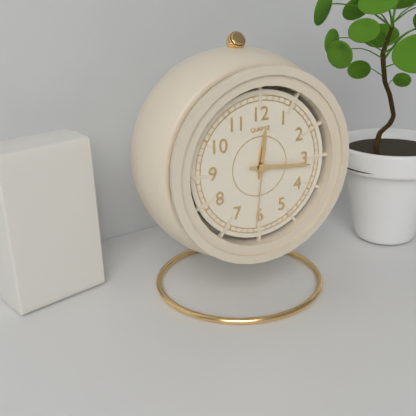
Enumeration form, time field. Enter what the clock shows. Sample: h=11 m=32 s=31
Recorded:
h=12 m=16 s=31
